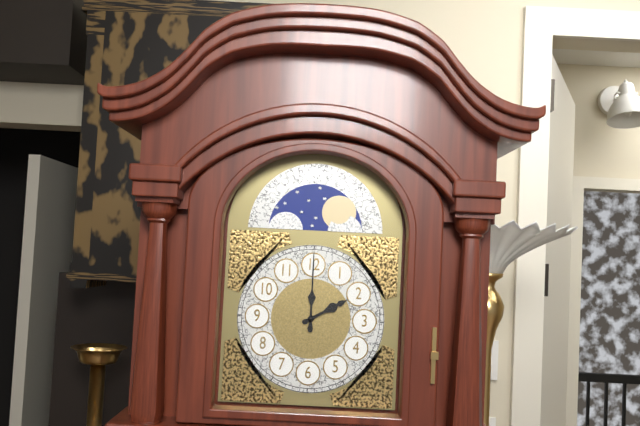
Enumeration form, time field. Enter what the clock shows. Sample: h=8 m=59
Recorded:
h=2 m=0
